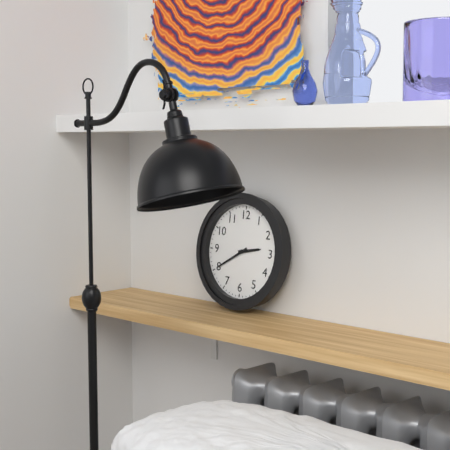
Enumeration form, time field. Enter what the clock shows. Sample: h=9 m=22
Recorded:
h=2 m=40
